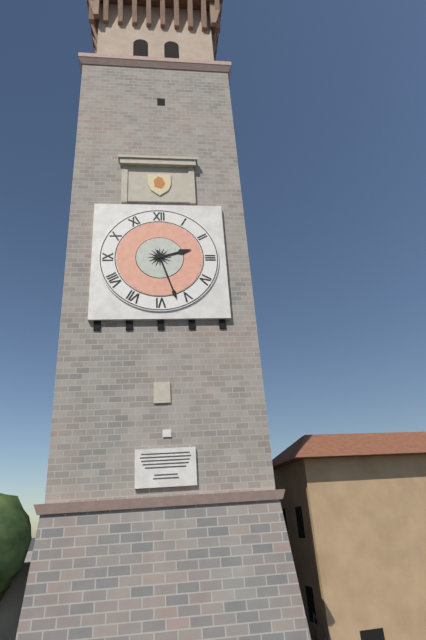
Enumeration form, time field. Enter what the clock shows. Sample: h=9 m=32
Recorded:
h=2 m=27
